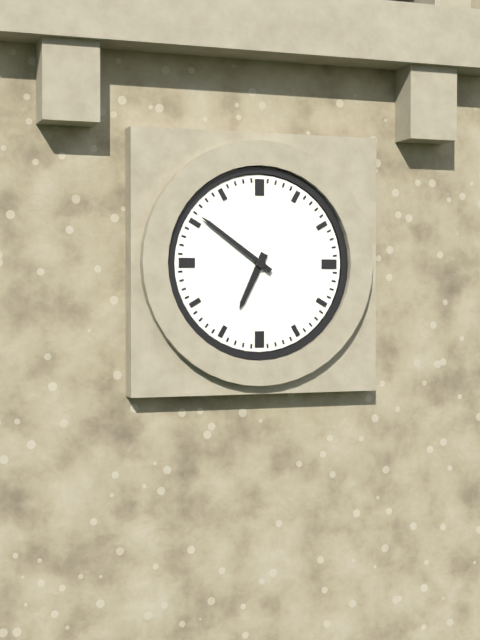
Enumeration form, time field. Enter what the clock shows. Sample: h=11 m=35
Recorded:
h=6 m=51
